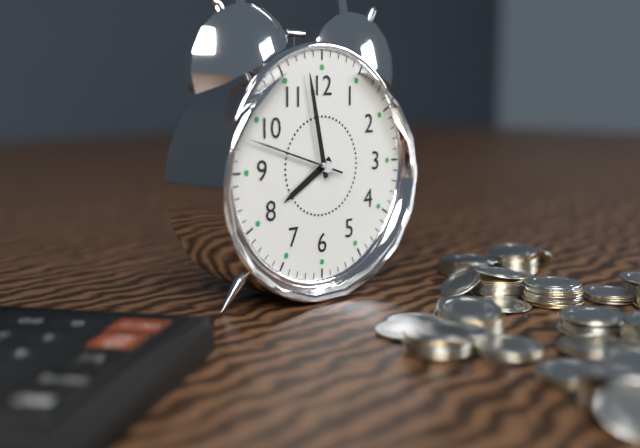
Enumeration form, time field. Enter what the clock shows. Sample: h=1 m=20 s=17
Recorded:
h=7 m=58 s=48
